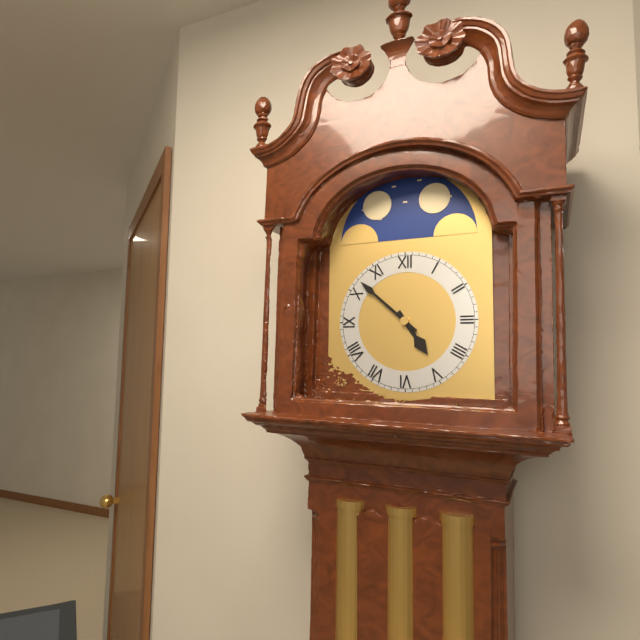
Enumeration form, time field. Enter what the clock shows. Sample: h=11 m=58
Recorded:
h=4 m=52
